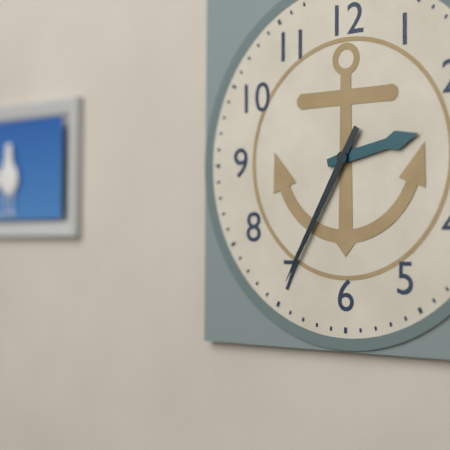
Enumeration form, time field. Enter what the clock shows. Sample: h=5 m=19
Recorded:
h=2 m=35
